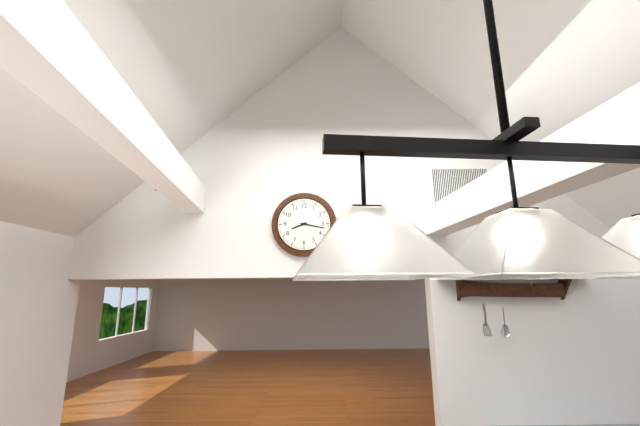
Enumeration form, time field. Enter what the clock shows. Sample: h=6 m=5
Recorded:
h=8 m=17
